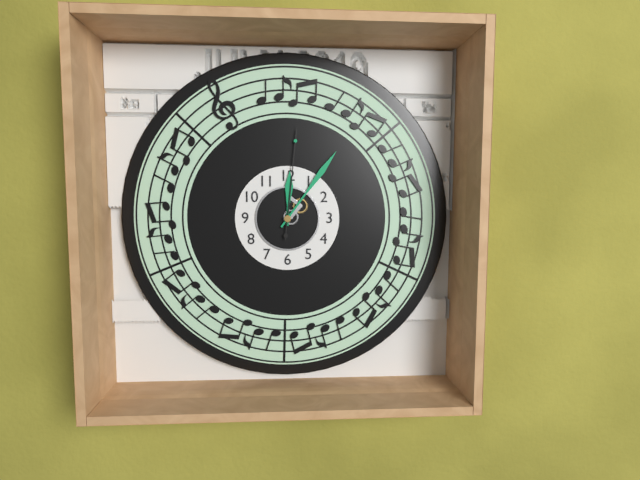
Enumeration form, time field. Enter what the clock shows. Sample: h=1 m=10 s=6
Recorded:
h=12 m=6 s=1
